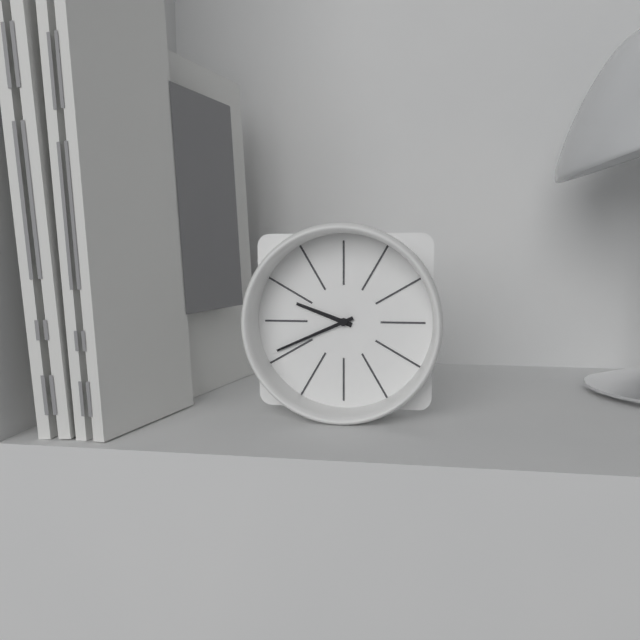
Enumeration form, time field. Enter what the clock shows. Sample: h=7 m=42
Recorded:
h=9 m=41
